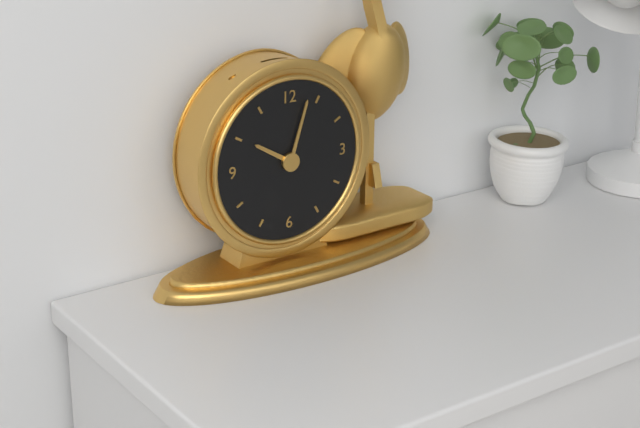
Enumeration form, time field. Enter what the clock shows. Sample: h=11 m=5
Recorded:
h=10 m=3
